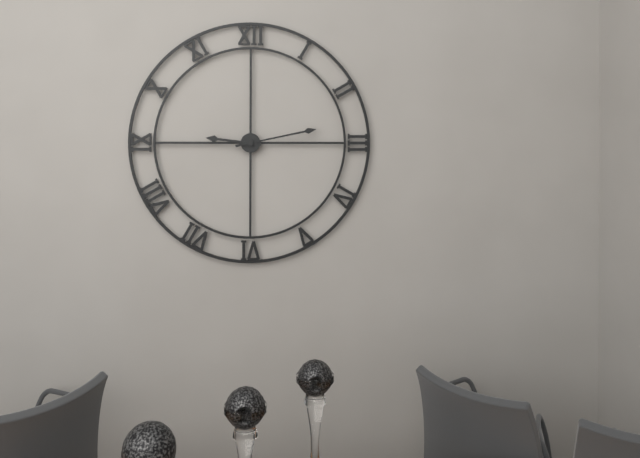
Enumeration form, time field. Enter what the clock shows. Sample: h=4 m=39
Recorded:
h=9 m=13
